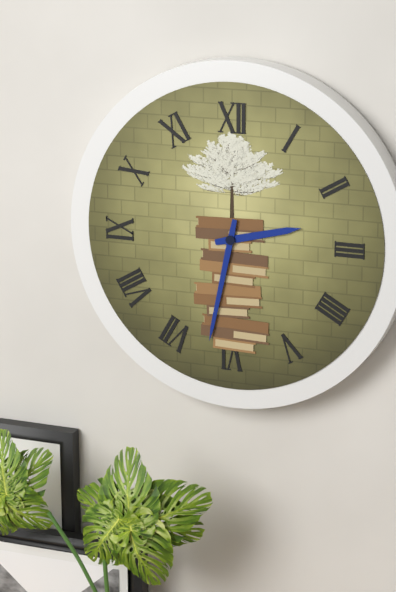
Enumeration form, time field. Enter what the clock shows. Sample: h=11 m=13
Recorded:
h=2 m=32
